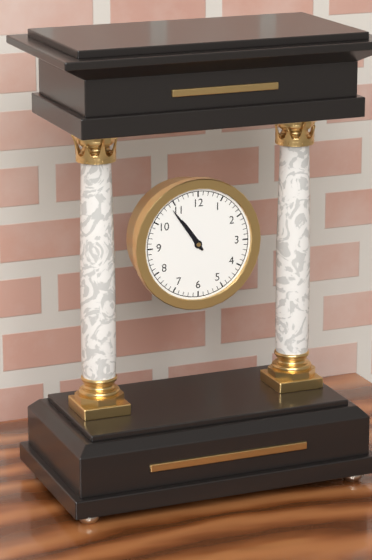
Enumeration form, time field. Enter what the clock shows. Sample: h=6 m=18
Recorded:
h=10 m=54
